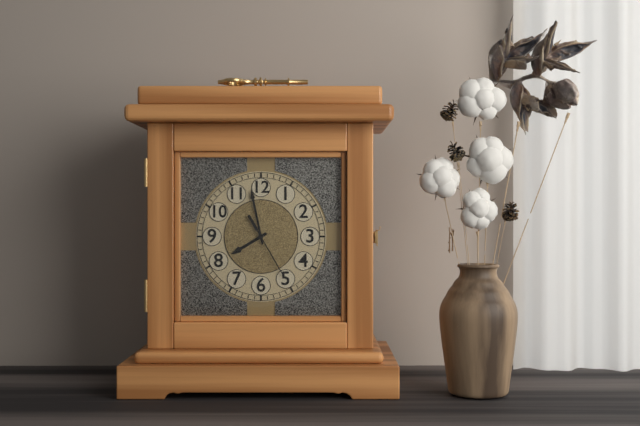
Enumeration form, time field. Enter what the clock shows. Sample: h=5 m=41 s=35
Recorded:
h=7 m=58 s=25
